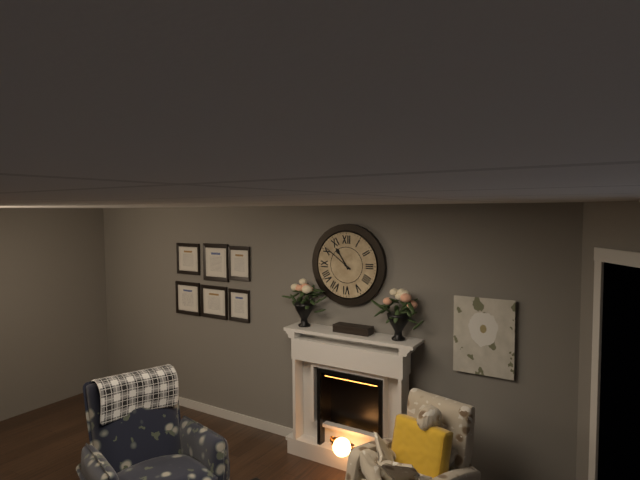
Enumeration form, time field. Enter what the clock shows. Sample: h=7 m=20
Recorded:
h=10 m=51
